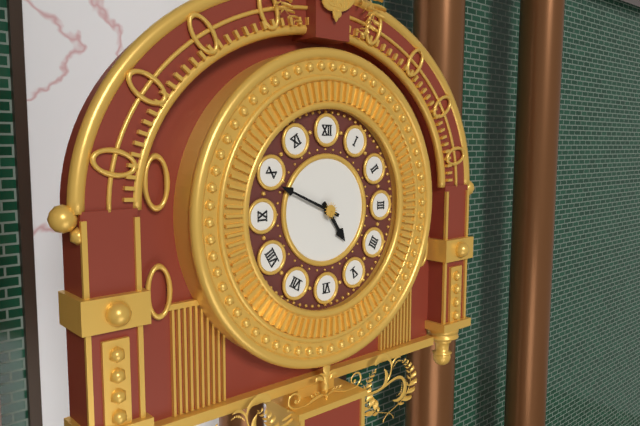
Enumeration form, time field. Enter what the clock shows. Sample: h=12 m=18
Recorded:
h=4 m=49
